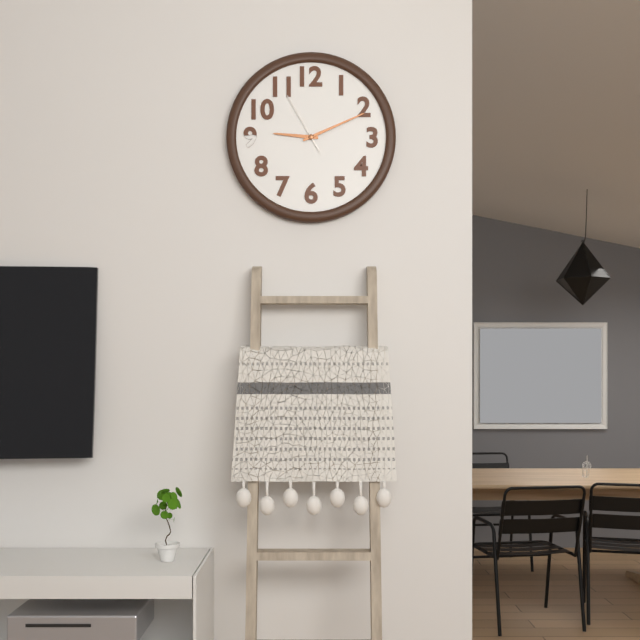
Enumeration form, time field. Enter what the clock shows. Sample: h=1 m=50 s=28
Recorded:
h=9 m=11 s=55
